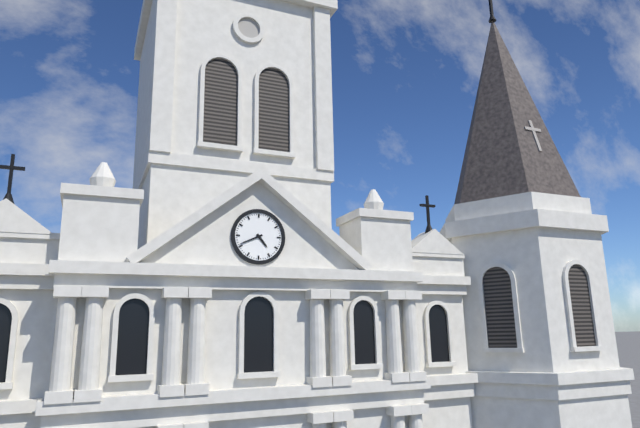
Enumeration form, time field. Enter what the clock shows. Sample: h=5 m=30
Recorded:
h=4 m=41
